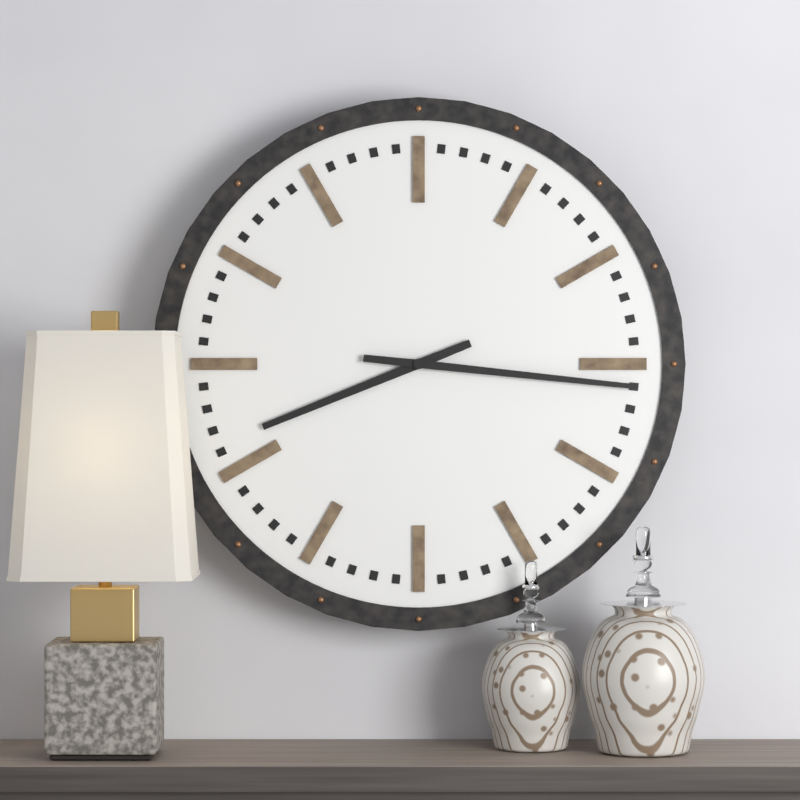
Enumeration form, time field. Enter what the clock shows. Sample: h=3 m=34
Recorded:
h=8 m=16
